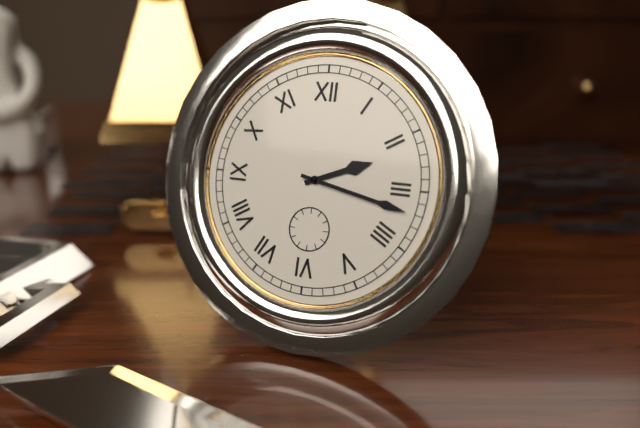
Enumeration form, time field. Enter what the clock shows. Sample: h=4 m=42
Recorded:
h=2 m=17
